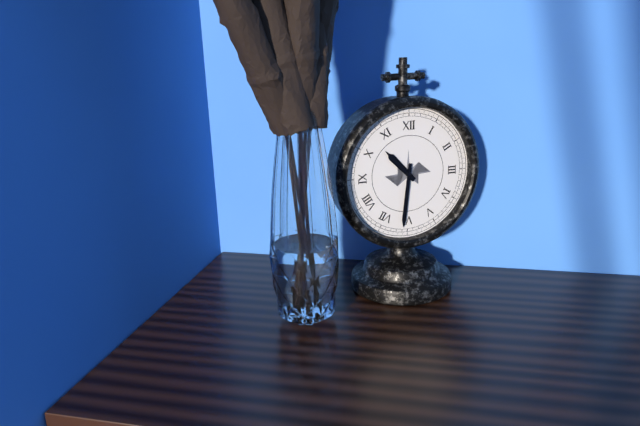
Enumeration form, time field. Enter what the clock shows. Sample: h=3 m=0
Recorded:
h=10 m=31
